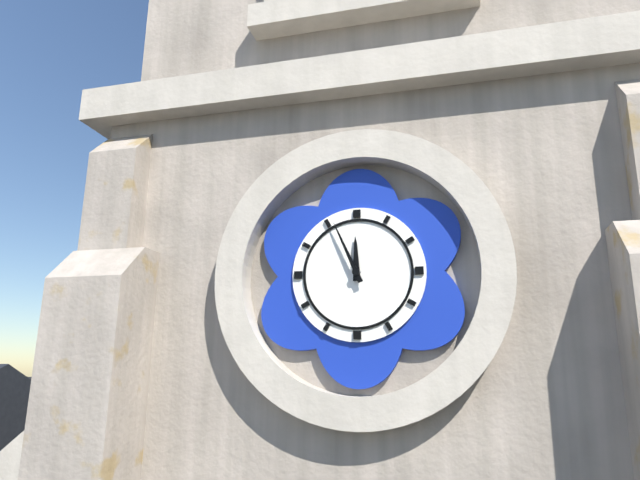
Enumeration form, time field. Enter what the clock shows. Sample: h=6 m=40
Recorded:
h=11 m=56
